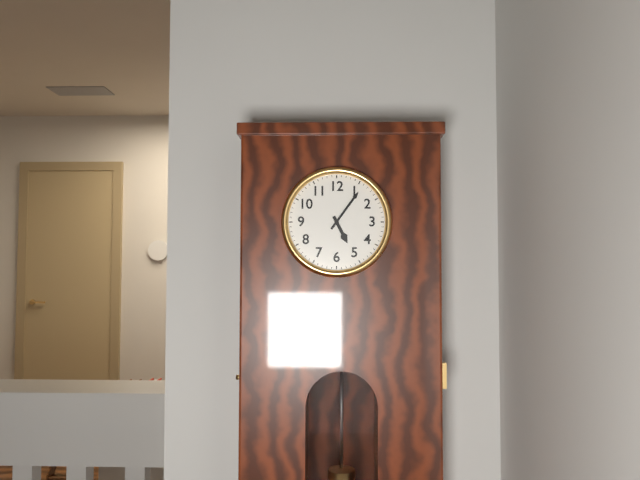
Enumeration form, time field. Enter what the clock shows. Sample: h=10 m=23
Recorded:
h=5 m=6
